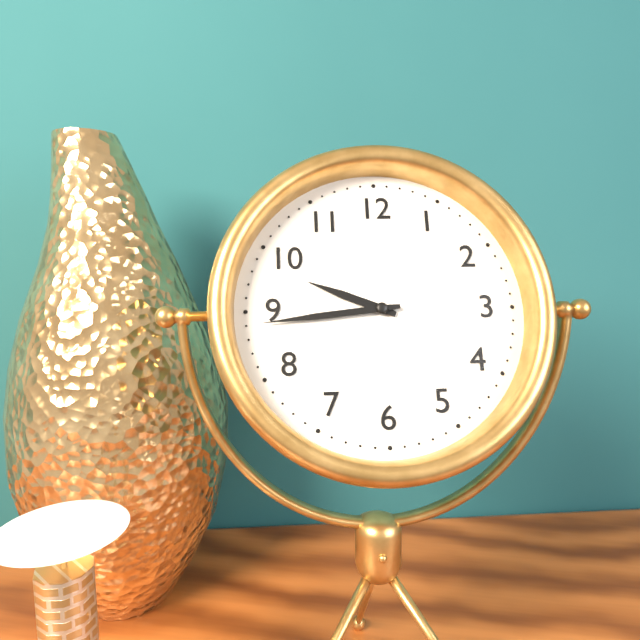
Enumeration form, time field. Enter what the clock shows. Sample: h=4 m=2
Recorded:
h=9 m=44
